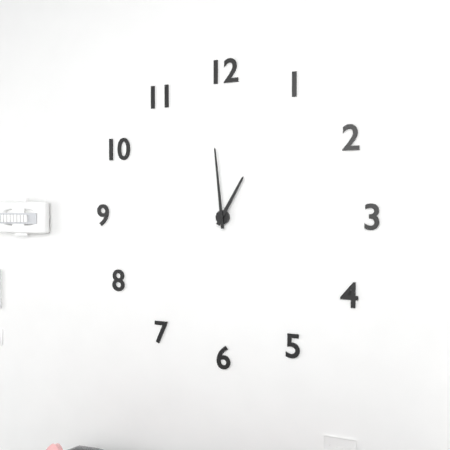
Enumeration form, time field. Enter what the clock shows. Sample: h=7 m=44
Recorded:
h=12 m=59
